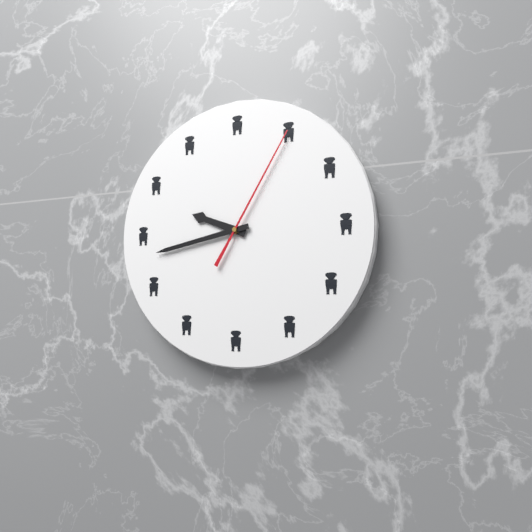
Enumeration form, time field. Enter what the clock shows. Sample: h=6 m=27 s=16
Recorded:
h=9 m=43 s=5
